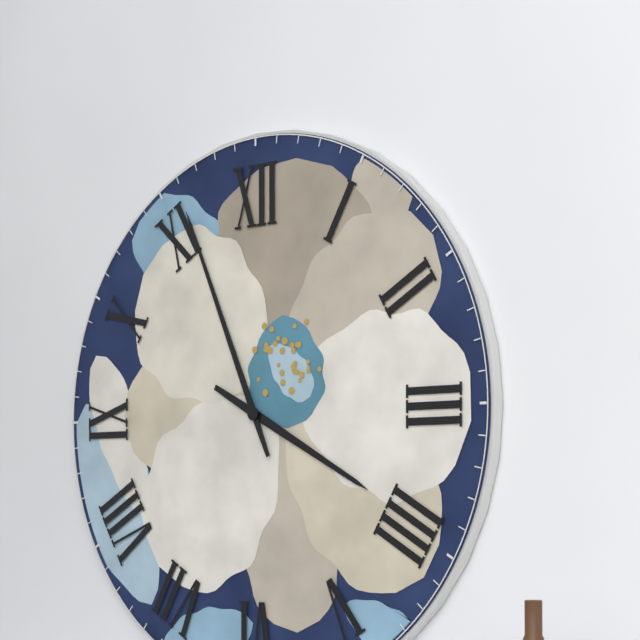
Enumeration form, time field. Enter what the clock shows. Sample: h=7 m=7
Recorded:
h=3 m=56
